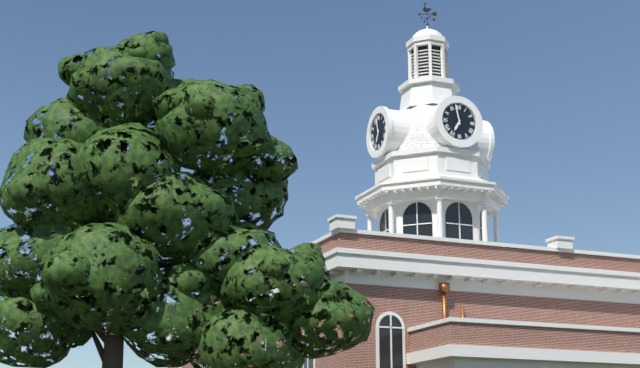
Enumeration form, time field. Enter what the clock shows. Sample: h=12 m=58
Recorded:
h=6 m=58
